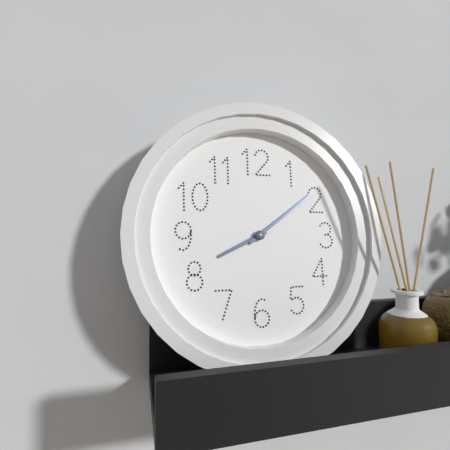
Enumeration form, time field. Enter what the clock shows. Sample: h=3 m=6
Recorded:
h=8 m=9
